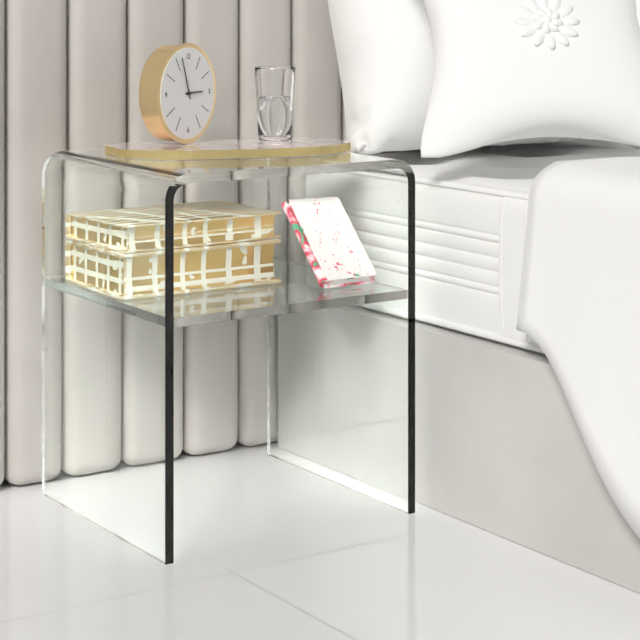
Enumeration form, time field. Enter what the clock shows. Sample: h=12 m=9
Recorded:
h=2 m=57
